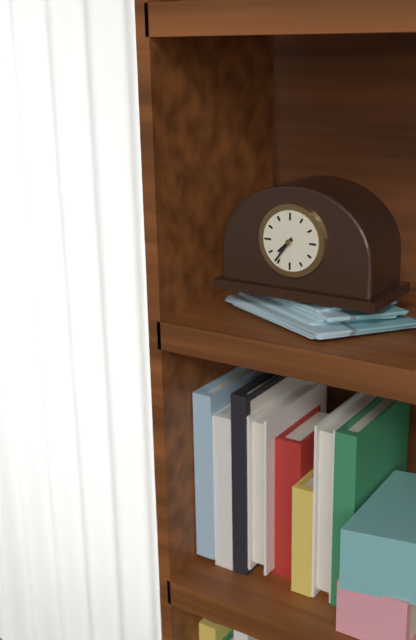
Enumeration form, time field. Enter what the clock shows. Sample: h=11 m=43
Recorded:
h=7 m=36
